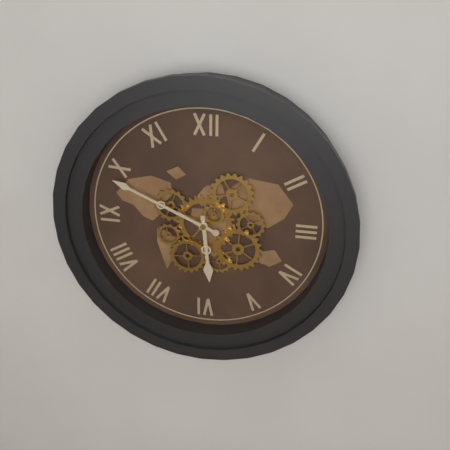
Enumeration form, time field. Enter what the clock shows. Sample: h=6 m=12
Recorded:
h=5 m=49
